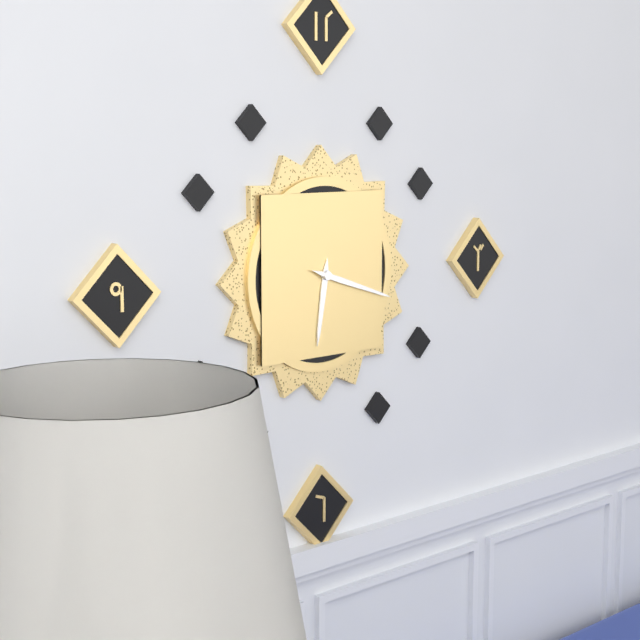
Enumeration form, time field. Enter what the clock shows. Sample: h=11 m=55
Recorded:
h=6 m=18
